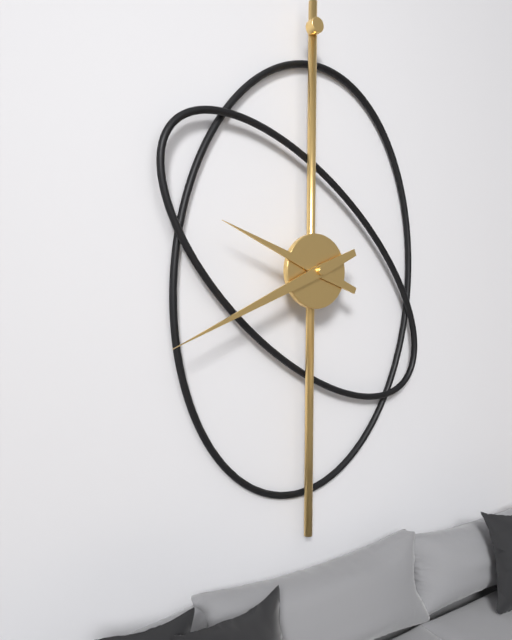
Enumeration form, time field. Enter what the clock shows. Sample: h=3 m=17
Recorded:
h=9 m=41
